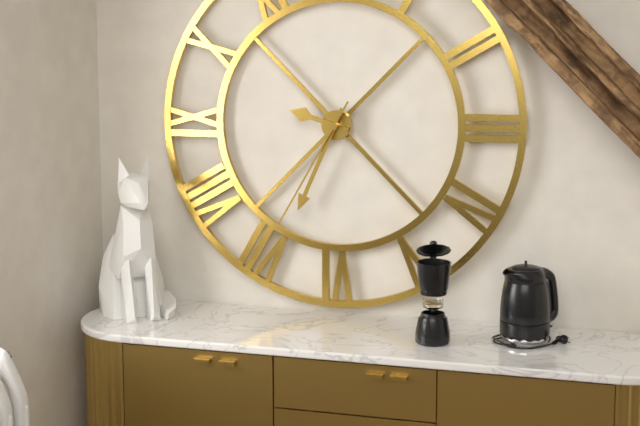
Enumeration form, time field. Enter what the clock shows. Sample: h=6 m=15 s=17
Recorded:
h=9 m=34 s=35
